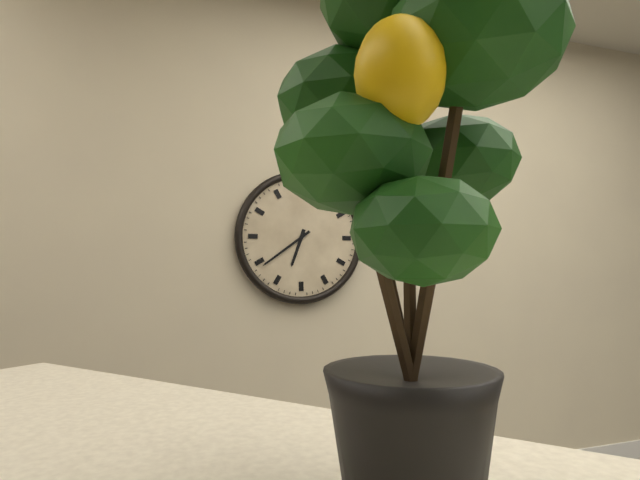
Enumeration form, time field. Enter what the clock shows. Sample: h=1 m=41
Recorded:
h=6 m=39
